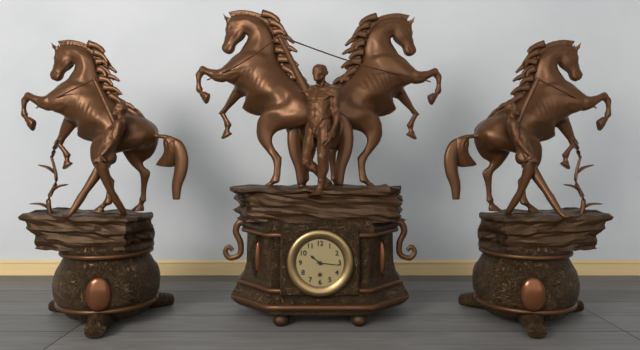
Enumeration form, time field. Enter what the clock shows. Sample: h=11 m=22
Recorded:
h=10 m=16
